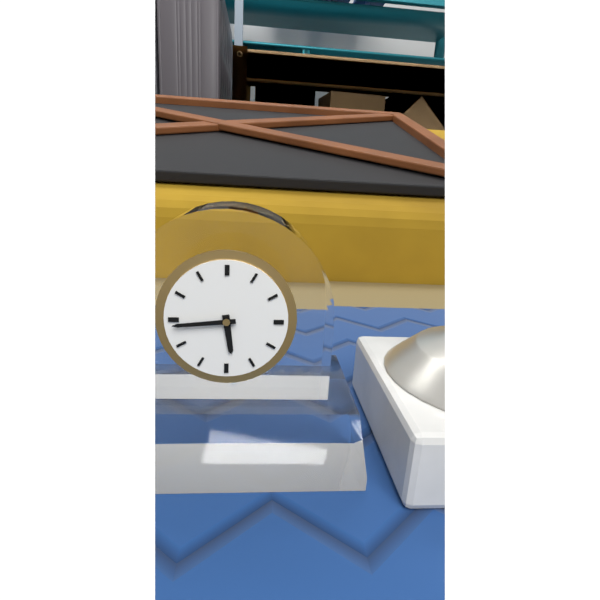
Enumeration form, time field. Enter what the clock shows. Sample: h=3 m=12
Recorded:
h=5 m=44
